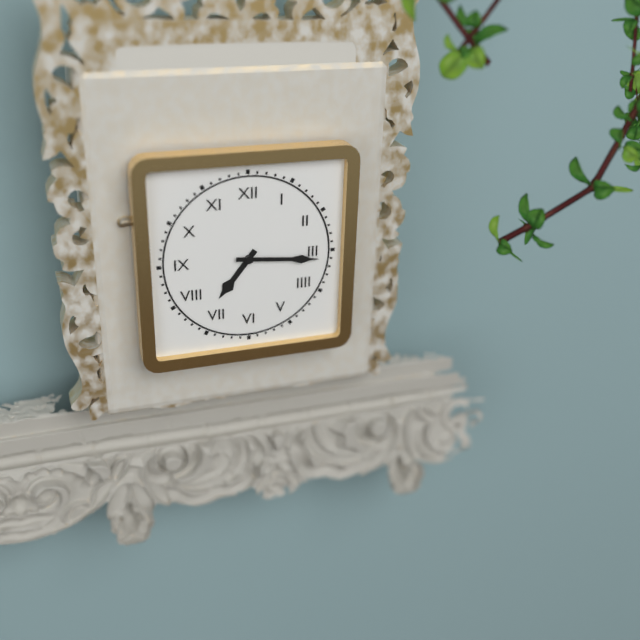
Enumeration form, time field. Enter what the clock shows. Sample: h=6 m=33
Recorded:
h=7 m=16
